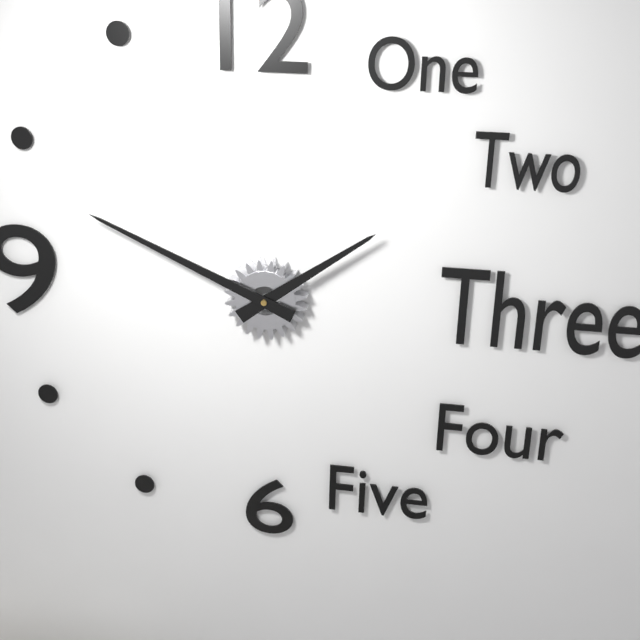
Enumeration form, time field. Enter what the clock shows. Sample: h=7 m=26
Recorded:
h=1 m=49
